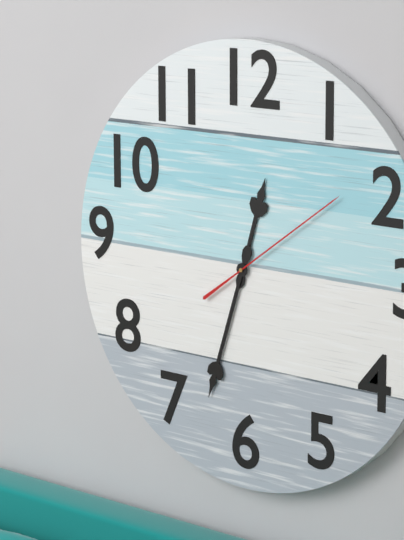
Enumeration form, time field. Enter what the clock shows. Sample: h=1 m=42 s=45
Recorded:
h=12 m=33 s=9
